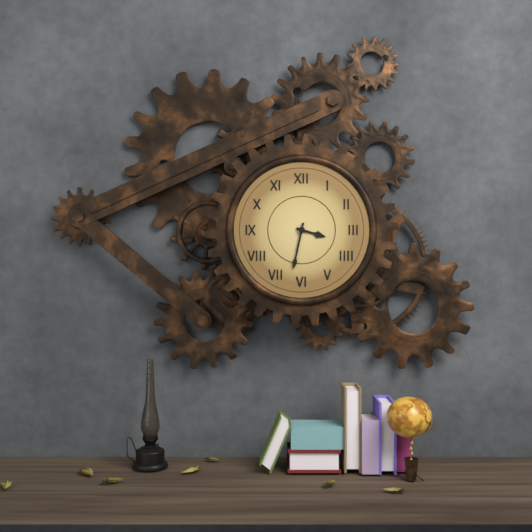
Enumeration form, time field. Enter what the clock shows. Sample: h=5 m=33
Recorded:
h=3 m=32
